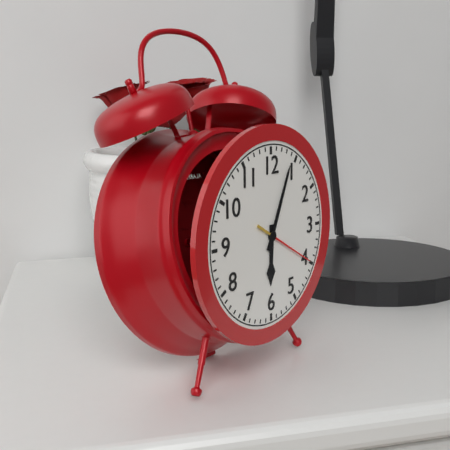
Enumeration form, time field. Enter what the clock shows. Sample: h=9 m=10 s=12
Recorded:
h=6 m=4 s=20
